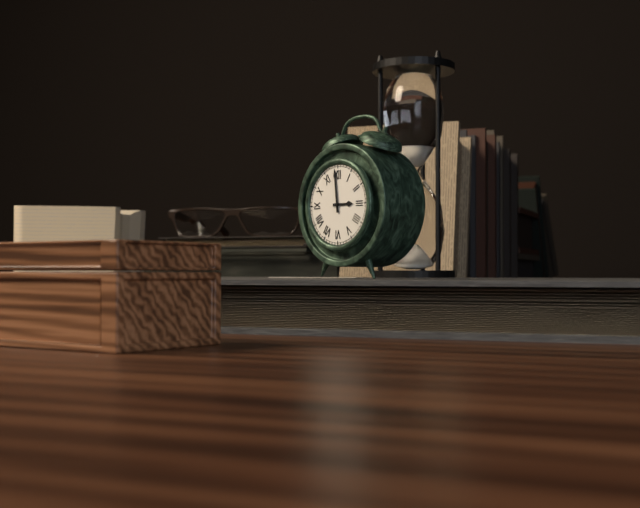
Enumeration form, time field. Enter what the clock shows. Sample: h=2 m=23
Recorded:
h=2 m=59
